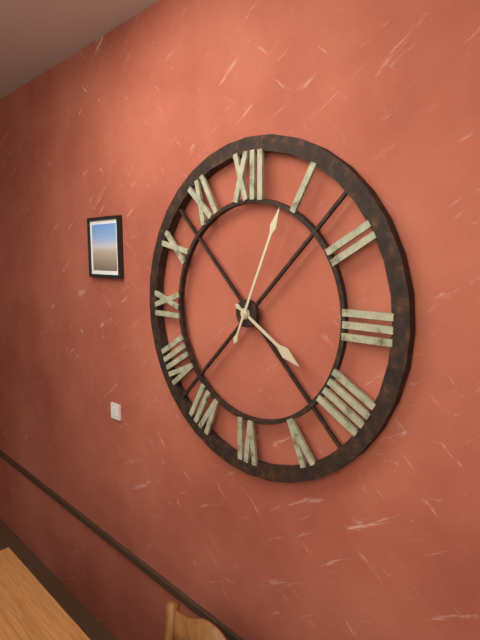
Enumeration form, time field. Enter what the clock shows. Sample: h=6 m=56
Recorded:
h=4 m=4
